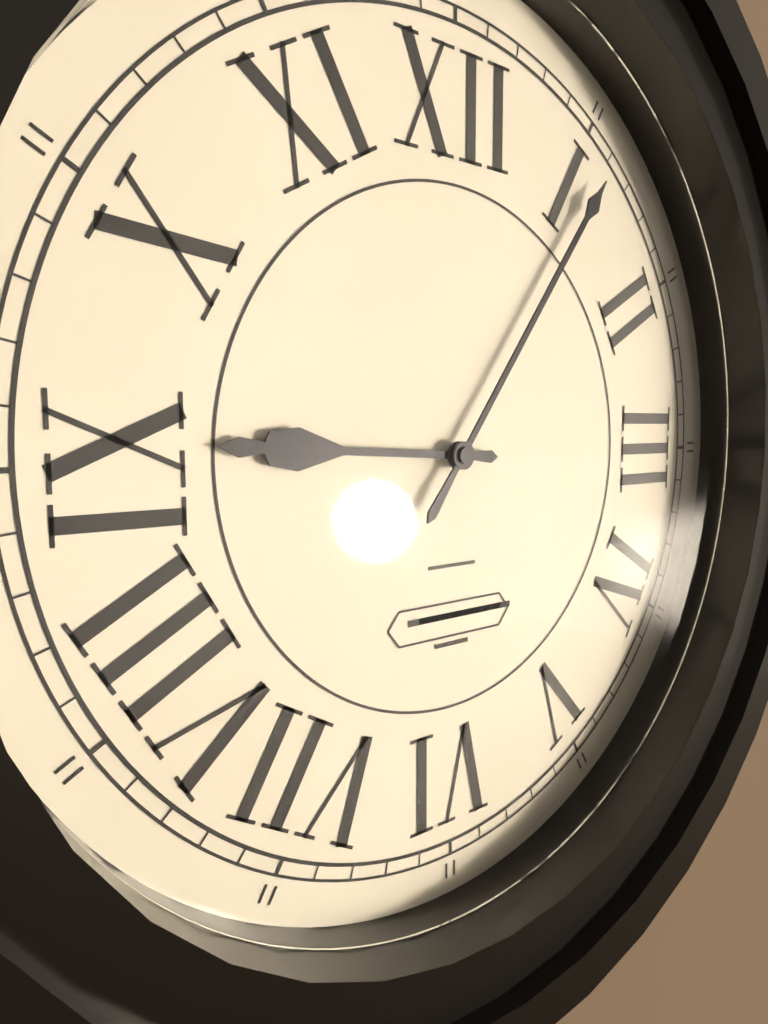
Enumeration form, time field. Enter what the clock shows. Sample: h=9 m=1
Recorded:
h=9 m=6
